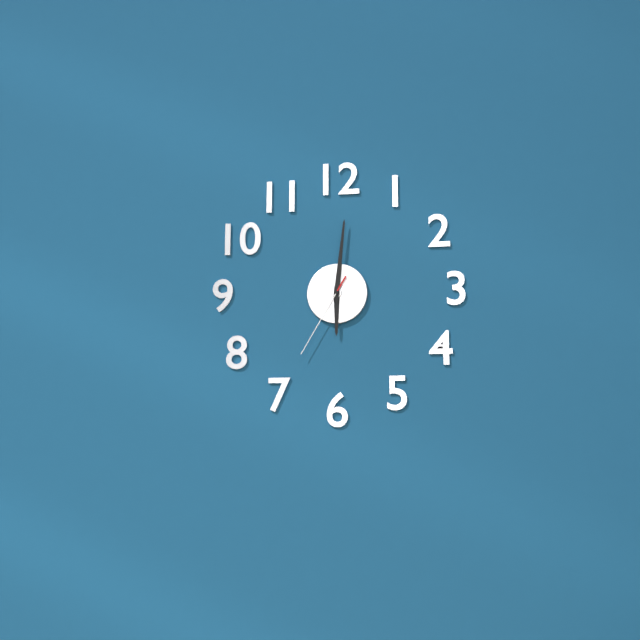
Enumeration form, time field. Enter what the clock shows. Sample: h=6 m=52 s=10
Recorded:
h=6 m=1 s=35
